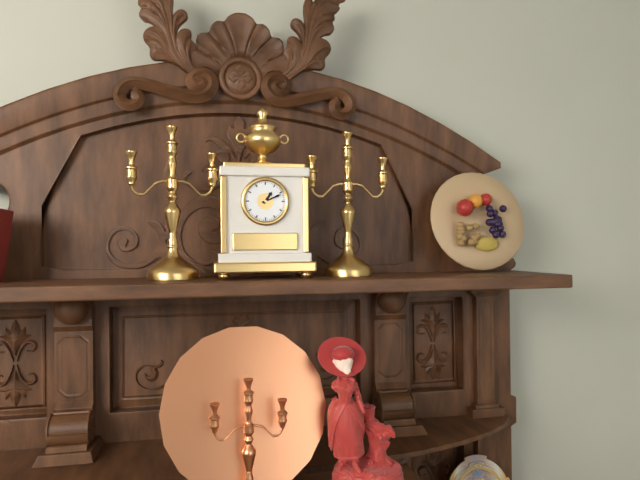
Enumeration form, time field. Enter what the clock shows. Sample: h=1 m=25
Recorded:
h=1 m=11
